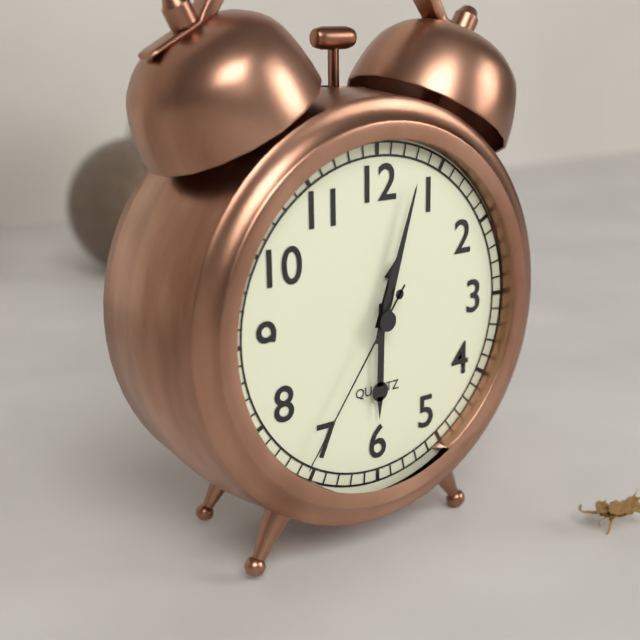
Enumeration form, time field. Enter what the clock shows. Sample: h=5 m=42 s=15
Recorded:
h=6 m=3 s=36
